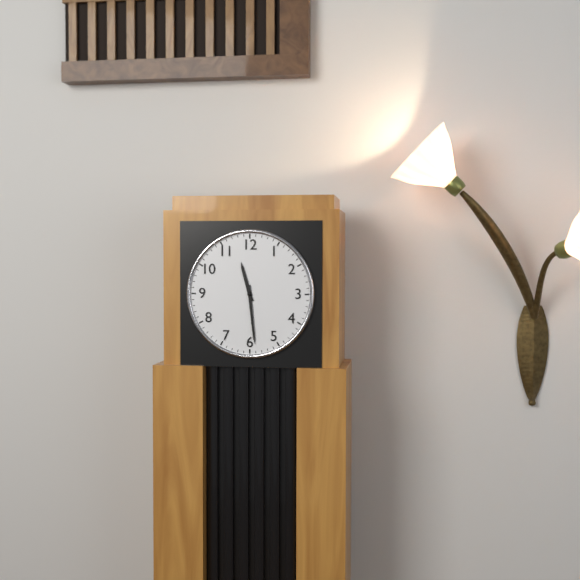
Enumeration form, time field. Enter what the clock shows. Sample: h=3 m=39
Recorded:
h=11 m=29
